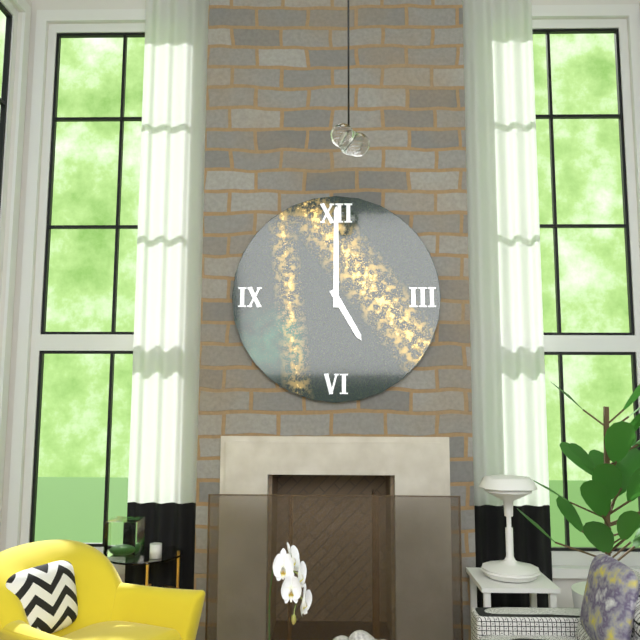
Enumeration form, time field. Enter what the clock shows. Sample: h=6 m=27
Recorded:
h=5 m=0
